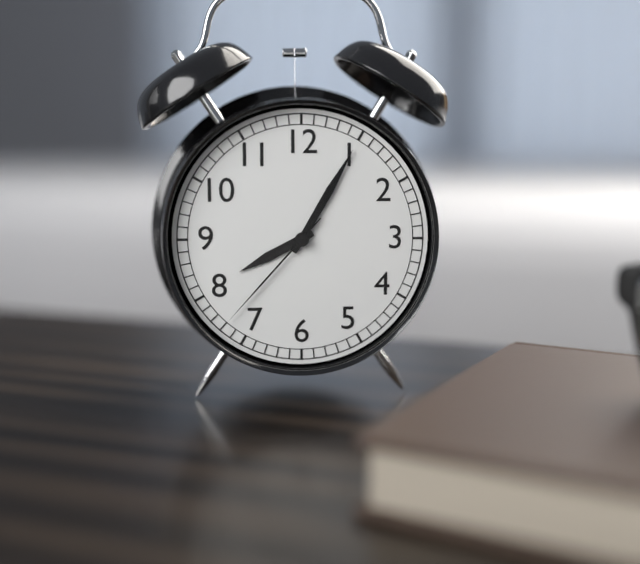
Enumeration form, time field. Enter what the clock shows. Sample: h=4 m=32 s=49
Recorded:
h=8 m=5 s=37
